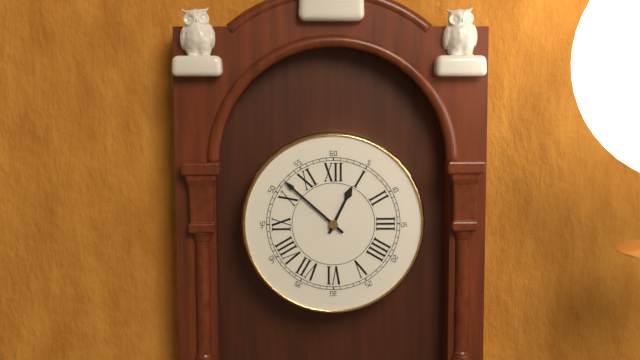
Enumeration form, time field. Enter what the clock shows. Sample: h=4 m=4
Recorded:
h=12 m=52
